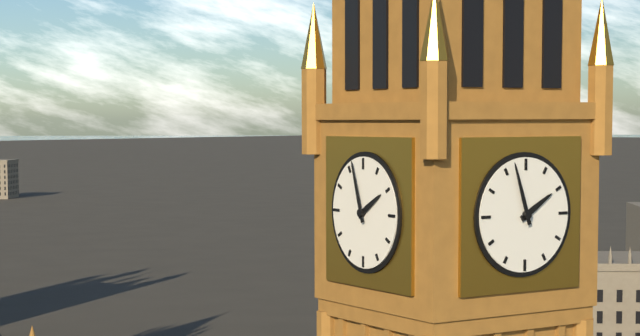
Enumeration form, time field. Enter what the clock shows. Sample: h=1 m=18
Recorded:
h=1 m=57
